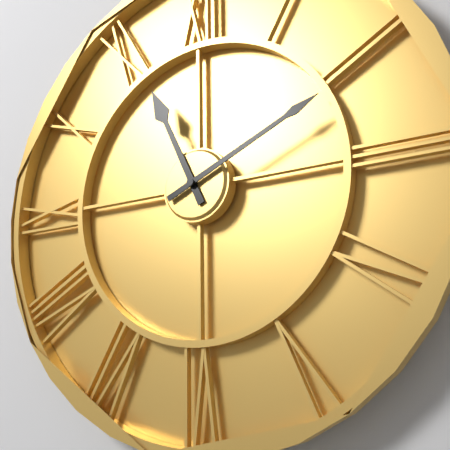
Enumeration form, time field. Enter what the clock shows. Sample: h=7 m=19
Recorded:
h=11 m=11
